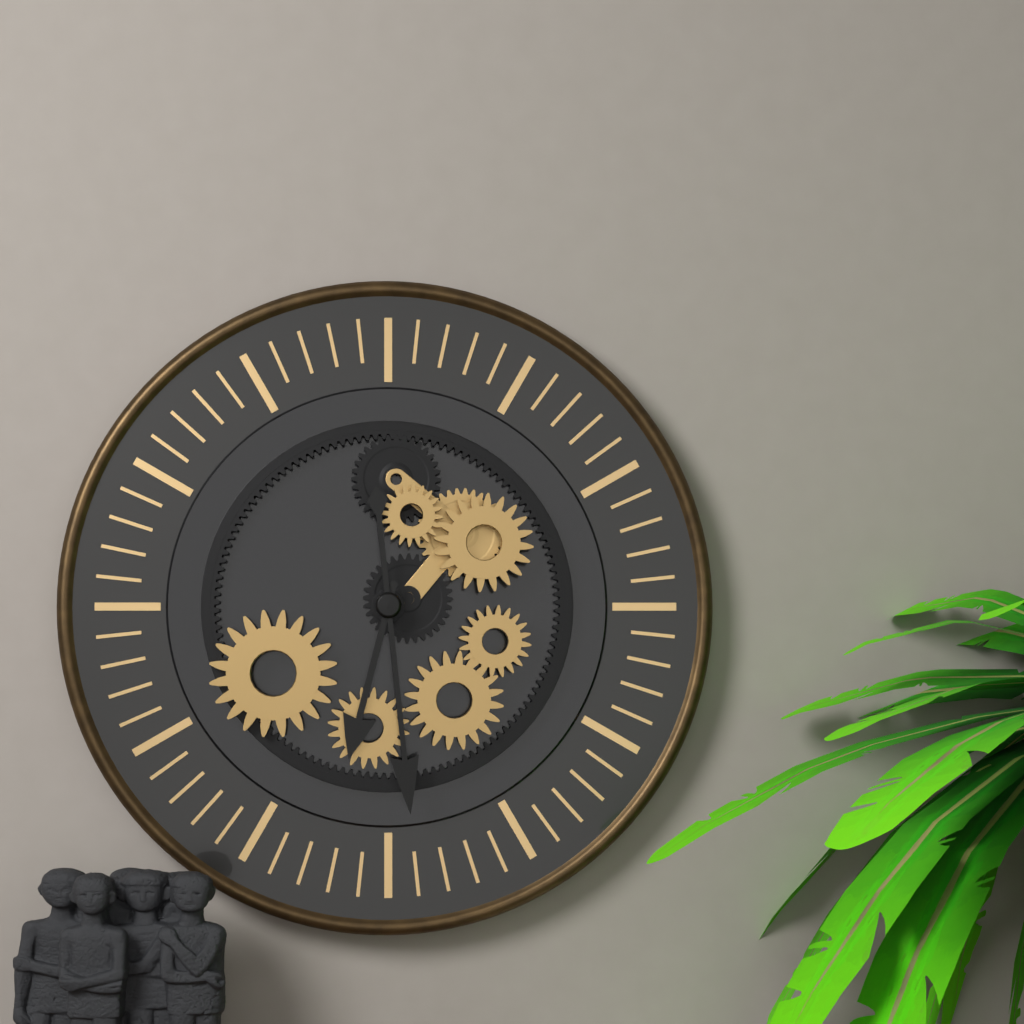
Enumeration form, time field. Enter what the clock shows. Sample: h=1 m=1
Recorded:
h=6 m=29
